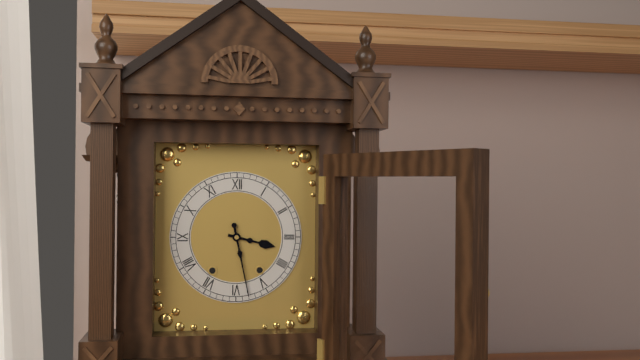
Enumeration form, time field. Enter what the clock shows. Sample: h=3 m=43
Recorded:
h=3 m=28
